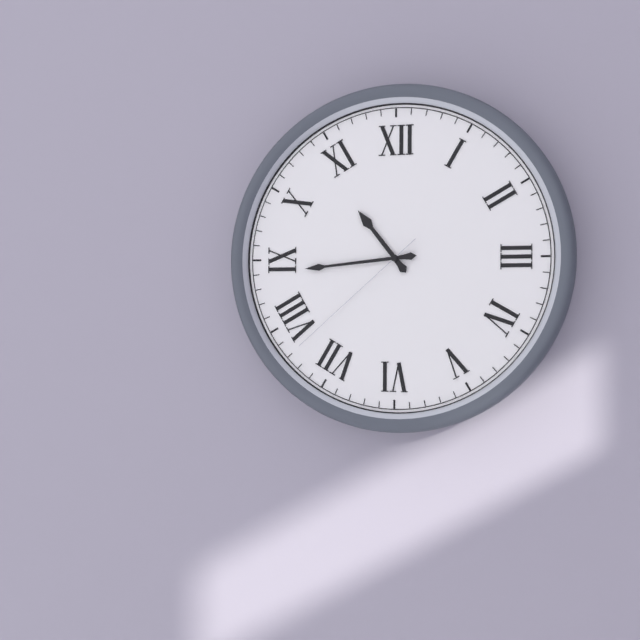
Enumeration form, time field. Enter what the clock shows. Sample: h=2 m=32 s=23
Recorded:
h=10 m=44 s=38
